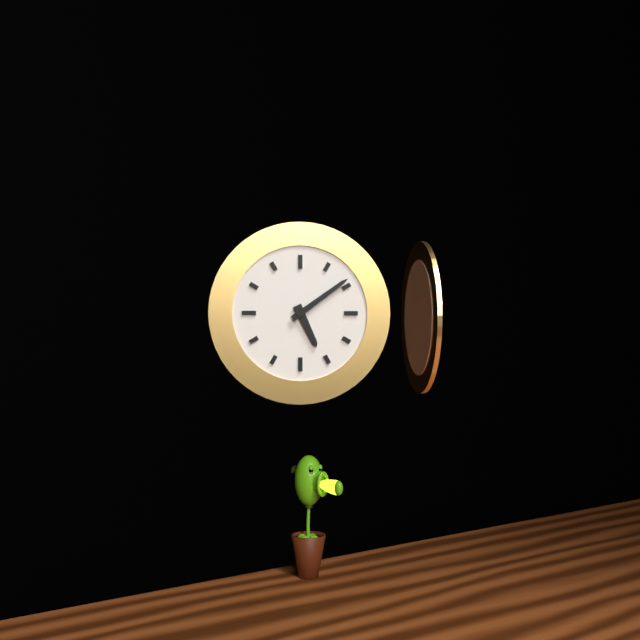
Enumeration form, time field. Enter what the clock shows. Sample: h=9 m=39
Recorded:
h=5 m=9
